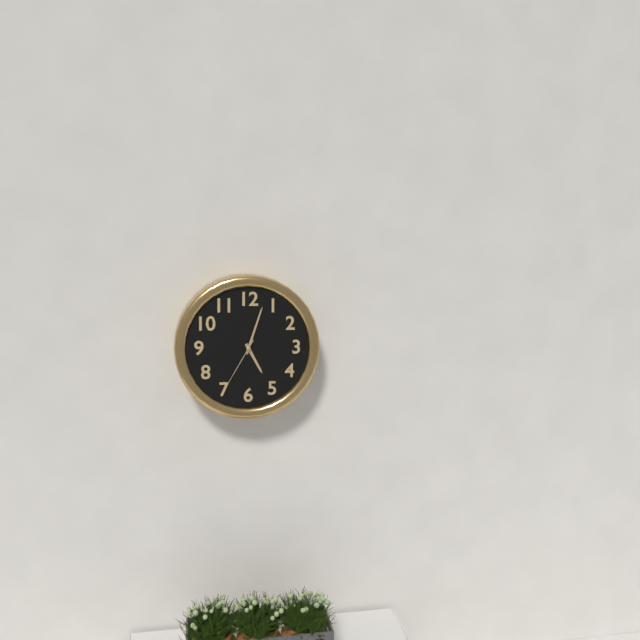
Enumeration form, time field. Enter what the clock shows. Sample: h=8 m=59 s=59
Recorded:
h=5 m=3 s=35
